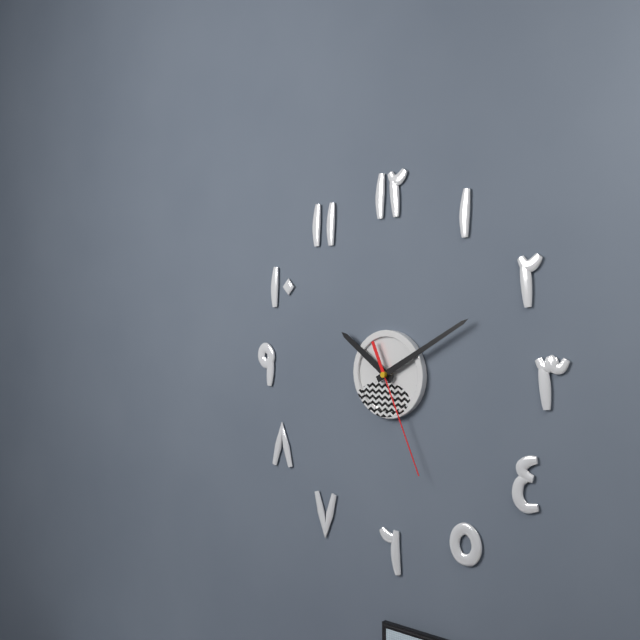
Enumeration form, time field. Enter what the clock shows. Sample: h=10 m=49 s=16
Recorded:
h=10 m=10 s=26
